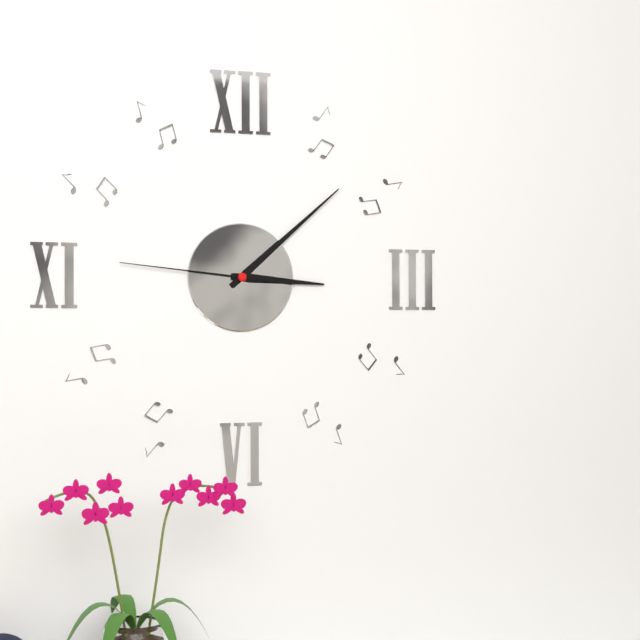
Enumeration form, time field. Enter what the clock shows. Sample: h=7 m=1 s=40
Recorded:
h=3 m=8 s=46
